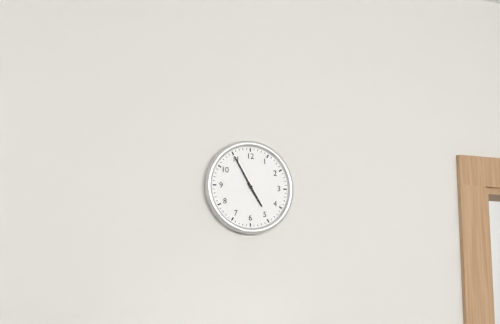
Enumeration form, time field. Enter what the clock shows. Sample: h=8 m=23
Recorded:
h=4 m=55
